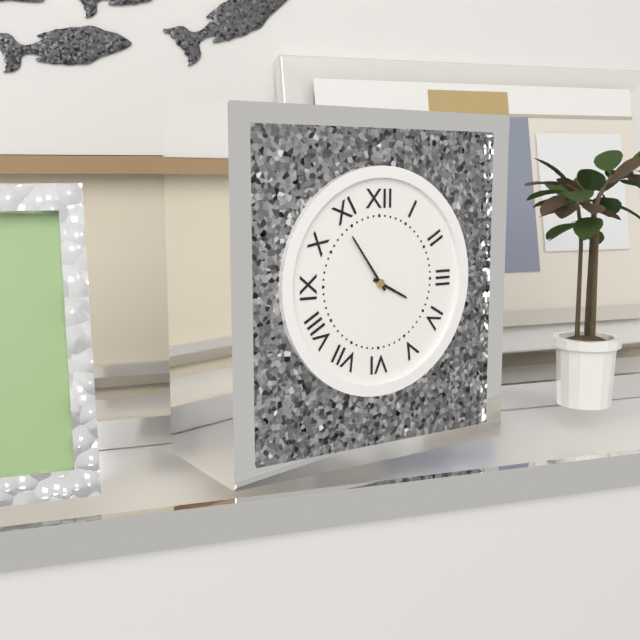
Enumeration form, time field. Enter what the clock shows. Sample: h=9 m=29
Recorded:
h=3 m=54
